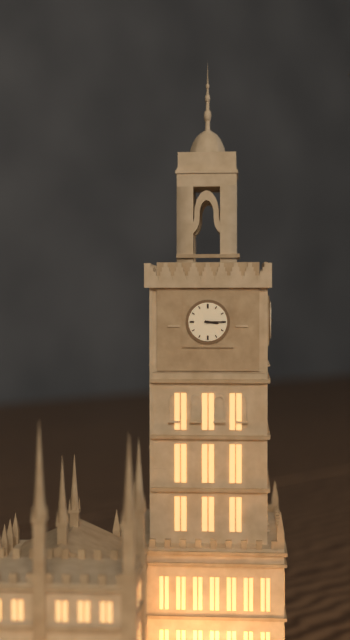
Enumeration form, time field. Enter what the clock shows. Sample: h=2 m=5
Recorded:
h=3 m=15
